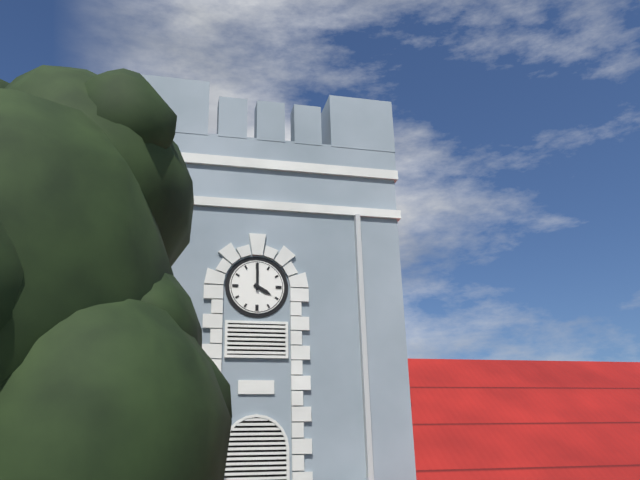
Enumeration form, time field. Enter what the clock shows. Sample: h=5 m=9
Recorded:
h=4 m=0
